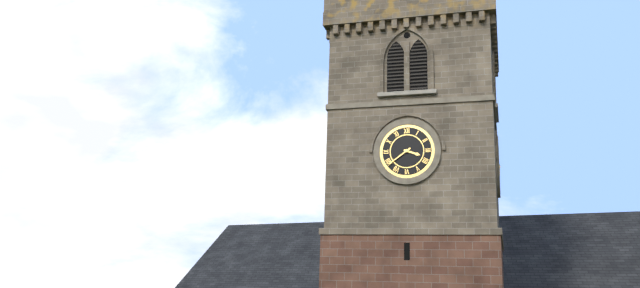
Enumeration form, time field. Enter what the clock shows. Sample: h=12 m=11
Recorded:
h=3 m=39
